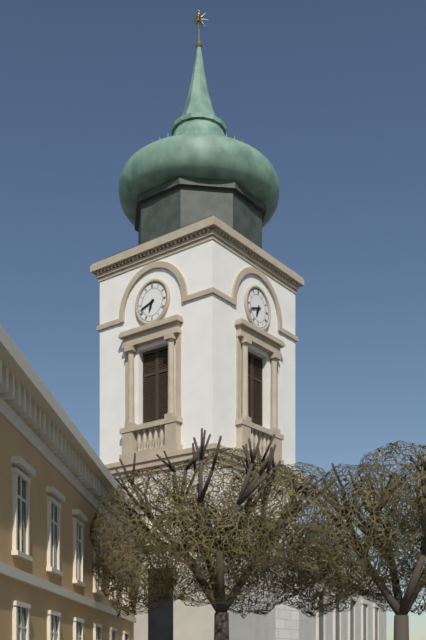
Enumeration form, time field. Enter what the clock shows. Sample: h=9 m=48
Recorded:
h=6 m=42
